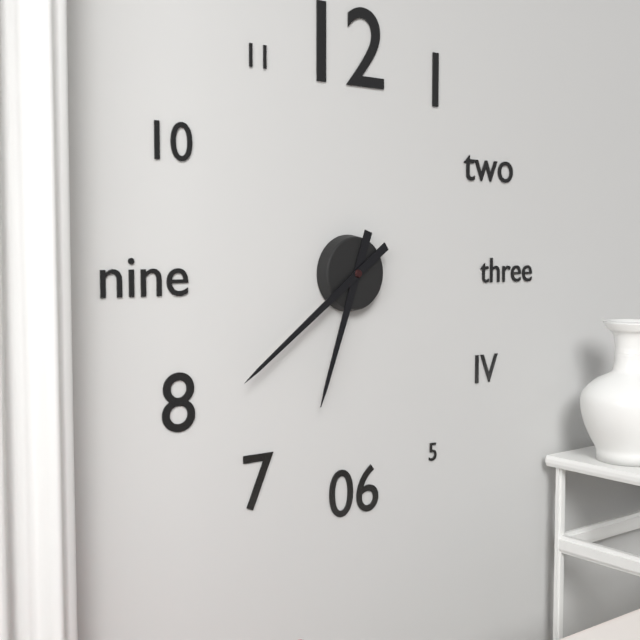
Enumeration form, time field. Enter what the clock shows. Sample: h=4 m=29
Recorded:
h=6 m=39
